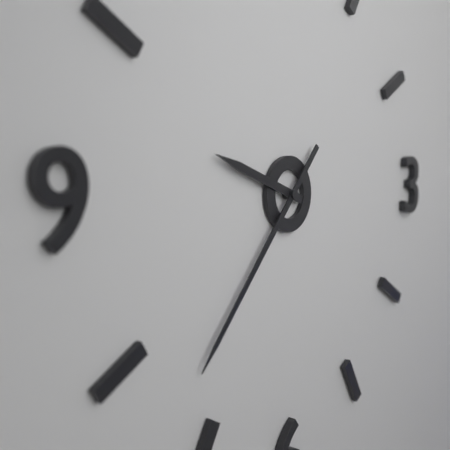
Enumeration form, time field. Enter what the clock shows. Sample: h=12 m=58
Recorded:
h=9 m=37
